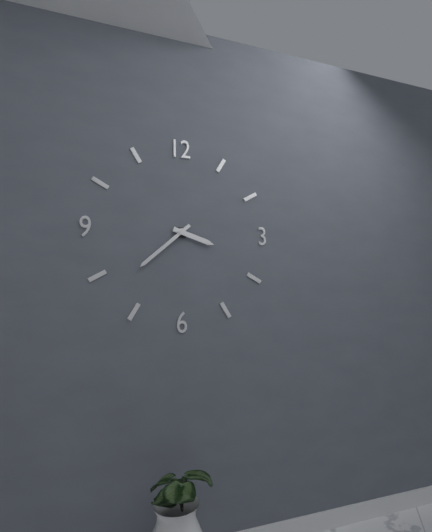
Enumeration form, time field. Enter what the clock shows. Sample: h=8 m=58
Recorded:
h=3 m=38
